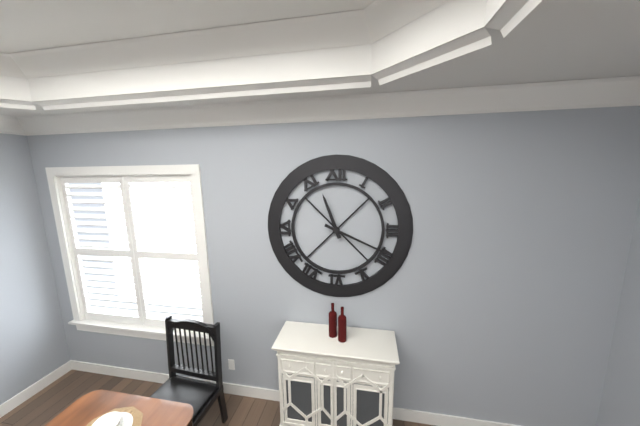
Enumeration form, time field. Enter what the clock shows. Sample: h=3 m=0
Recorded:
h=11 m=19
